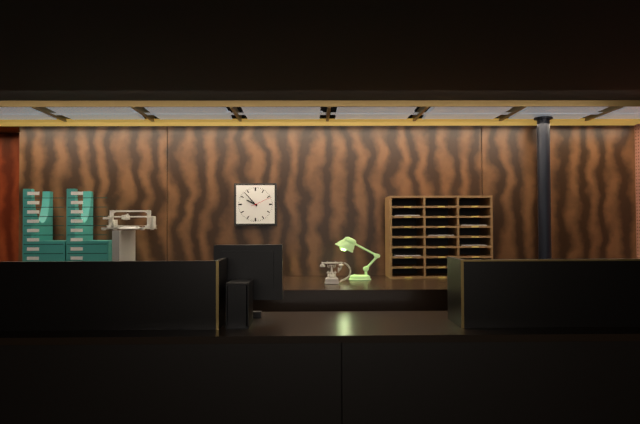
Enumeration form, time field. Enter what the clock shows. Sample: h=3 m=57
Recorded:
h=9 m=53
